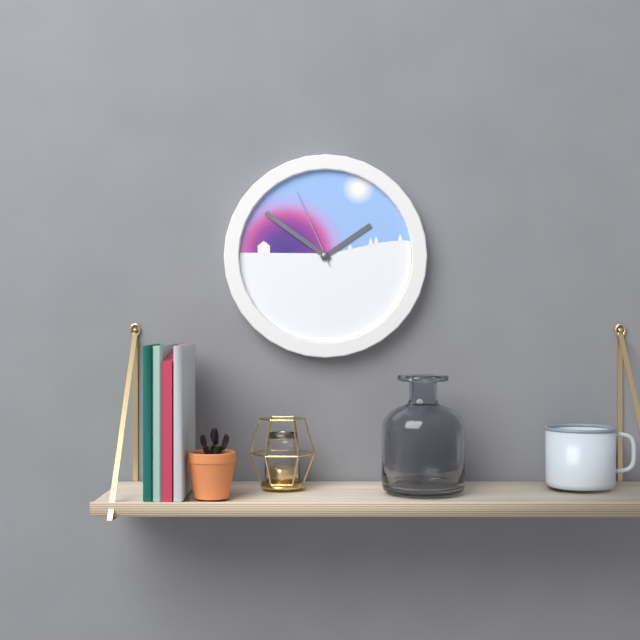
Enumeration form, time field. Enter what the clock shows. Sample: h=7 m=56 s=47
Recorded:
h=1 m=51 s=56
